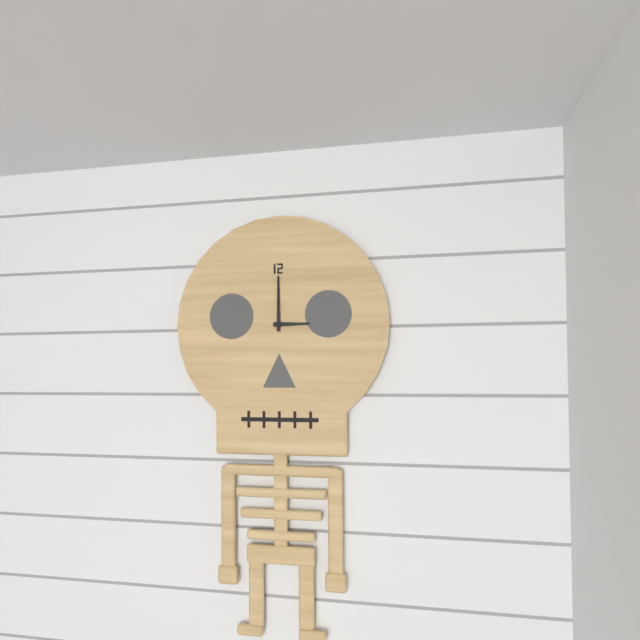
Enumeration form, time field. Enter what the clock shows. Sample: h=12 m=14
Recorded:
h=3 m=0
